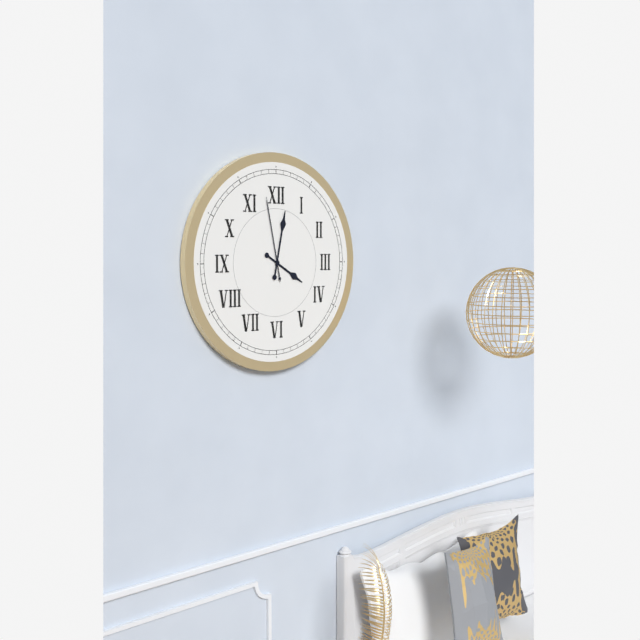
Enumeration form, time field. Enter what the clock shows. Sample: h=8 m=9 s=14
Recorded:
h=4 m=2 s=58
